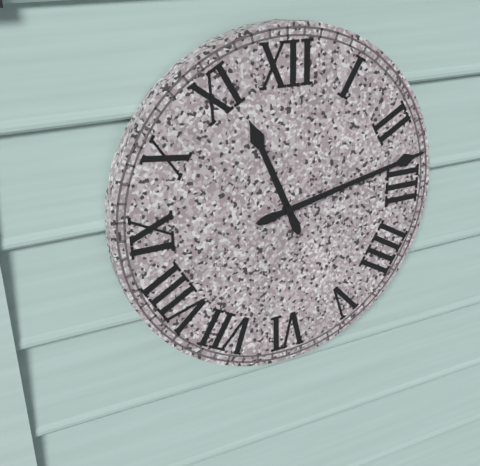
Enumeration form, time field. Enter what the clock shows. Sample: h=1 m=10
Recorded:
h=11 m=13
